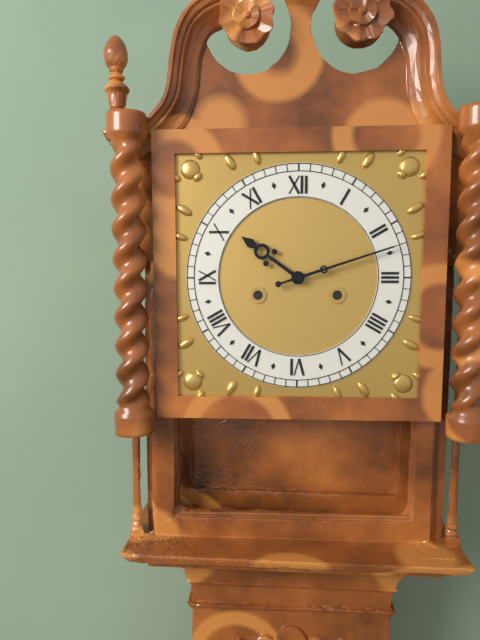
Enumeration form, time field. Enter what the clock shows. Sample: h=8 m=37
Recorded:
h=10 m=12
